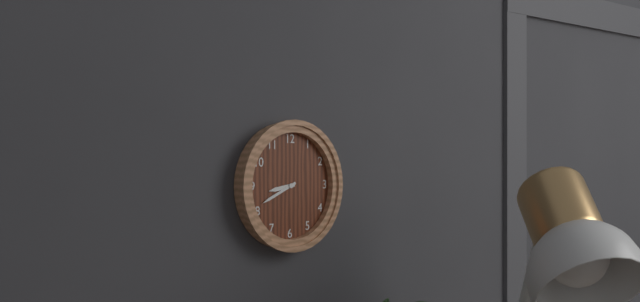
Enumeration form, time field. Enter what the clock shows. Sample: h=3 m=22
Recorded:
h=8 m=41
